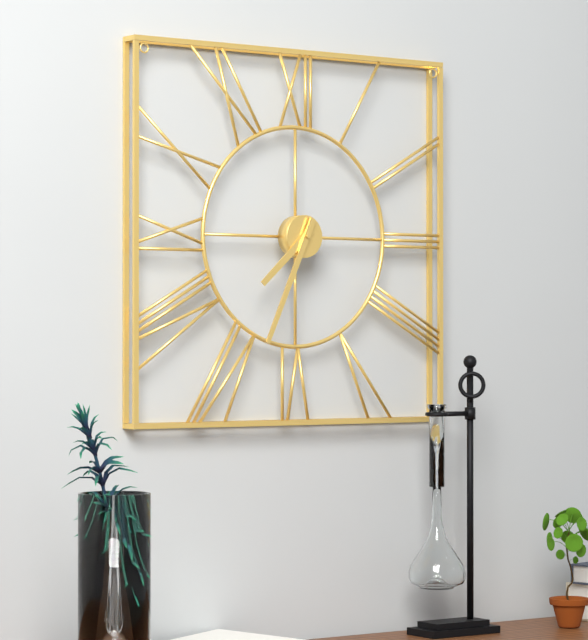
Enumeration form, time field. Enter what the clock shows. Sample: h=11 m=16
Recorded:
h=7 m=34
